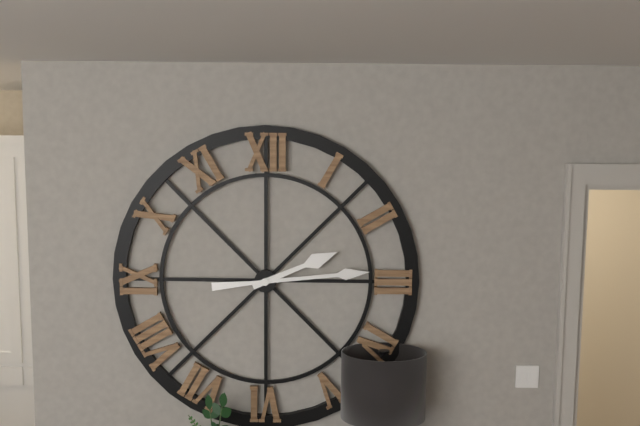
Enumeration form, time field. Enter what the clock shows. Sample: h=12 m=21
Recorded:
h=2 m=14
